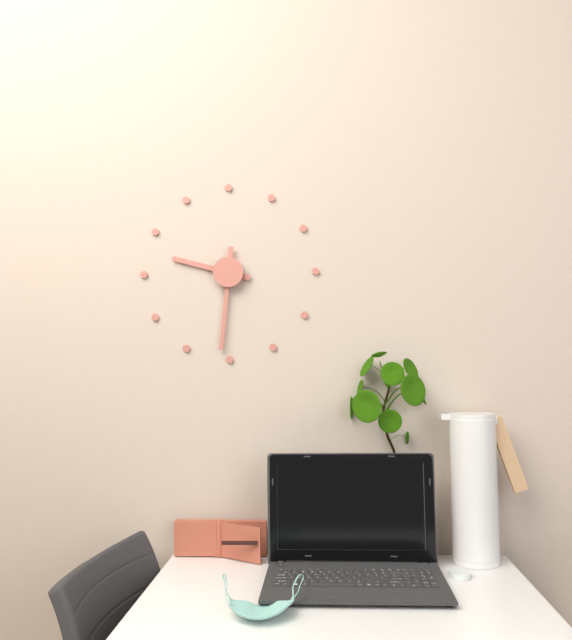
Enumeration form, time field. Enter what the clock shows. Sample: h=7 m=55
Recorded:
h=9 m=31
